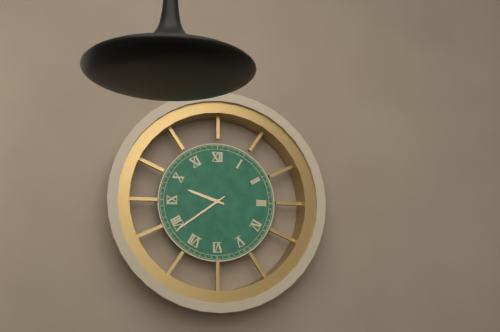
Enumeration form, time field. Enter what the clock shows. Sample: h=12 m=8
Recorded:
h=9 m=39
